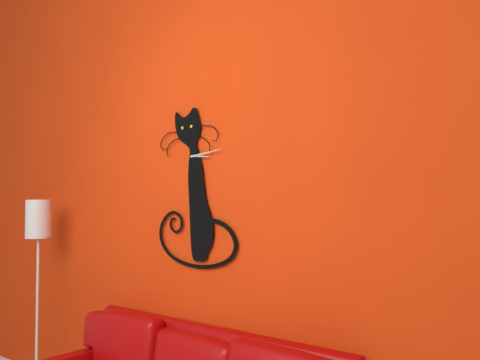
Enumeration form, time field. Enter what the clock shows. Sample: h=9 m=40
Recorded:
h=3 m=14
